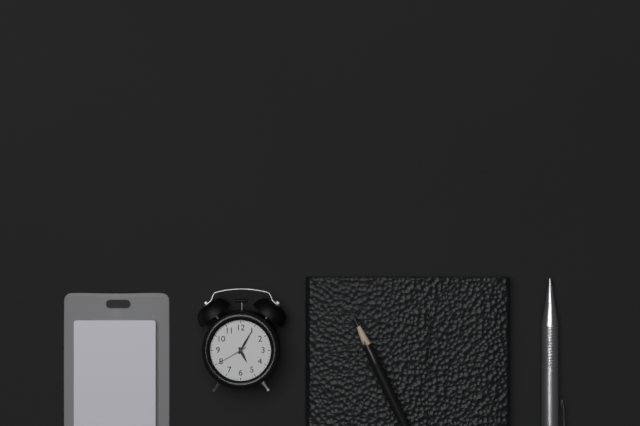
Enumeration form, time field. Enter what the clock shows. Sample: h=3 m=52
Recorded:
h=5 m=5
